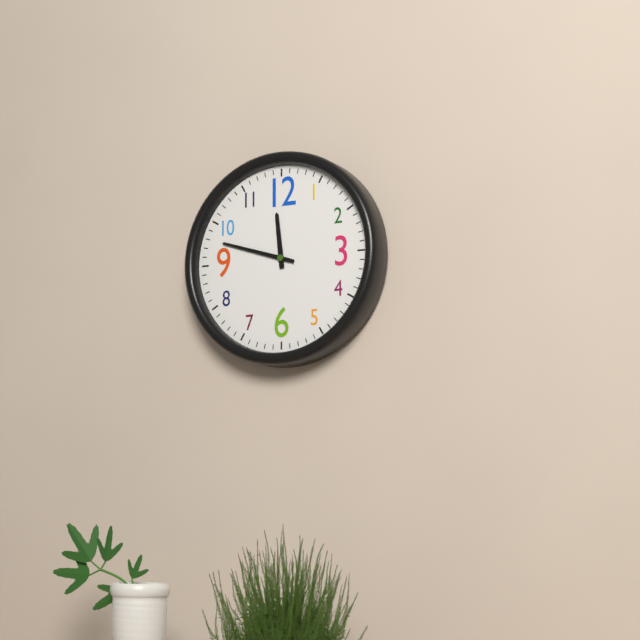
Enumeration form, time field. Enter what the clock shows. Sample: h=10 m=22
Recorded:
h=11 m=48
